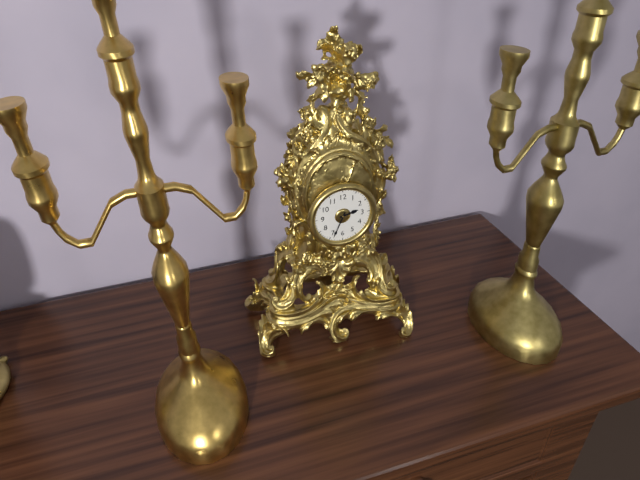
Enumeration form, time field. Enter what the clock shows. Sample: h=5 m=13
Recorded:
h=2 m=34
